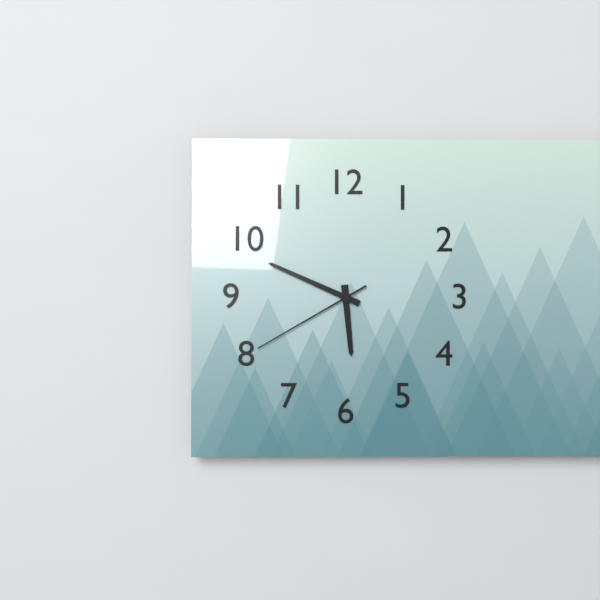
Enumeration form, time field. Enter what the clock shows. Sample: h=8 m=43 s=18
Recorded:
h=5 m=49 s=40
